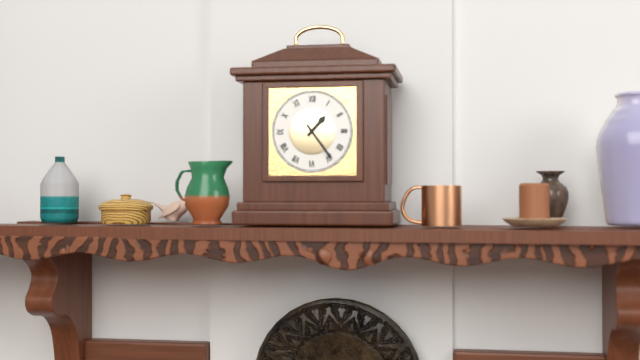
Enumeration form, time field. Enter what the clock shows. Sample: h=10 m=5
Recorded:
h=1 m=24
